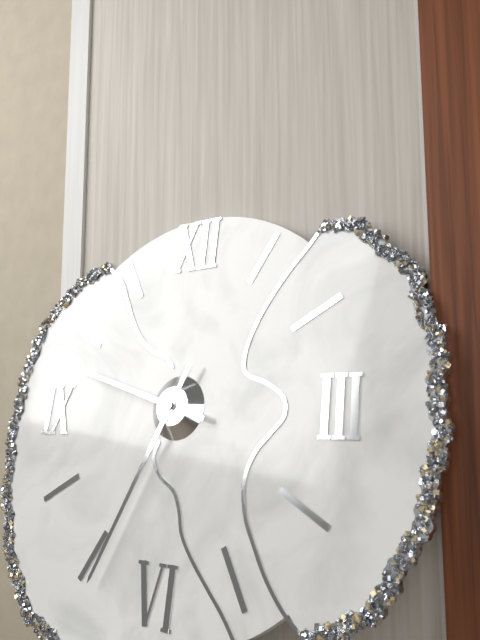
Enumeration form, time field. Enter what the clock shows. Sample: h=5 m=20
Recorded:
h=9 m=34
